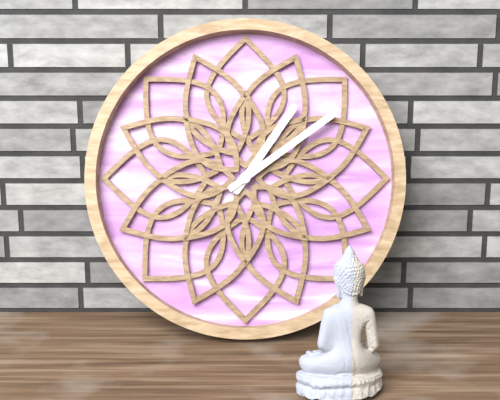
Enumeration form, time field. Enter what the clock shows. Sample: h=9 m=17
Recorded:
h=1 m=9
